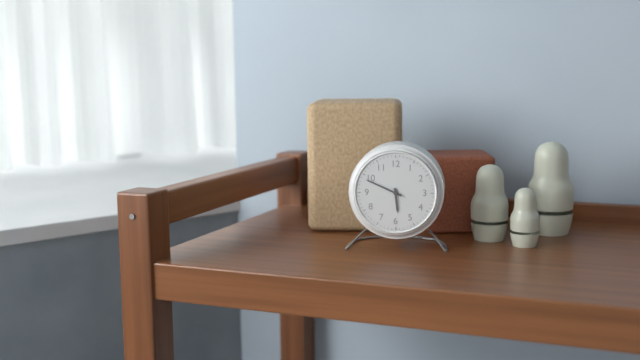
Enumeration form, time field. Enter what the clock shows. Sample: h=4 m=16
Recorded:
h=5 m=49
